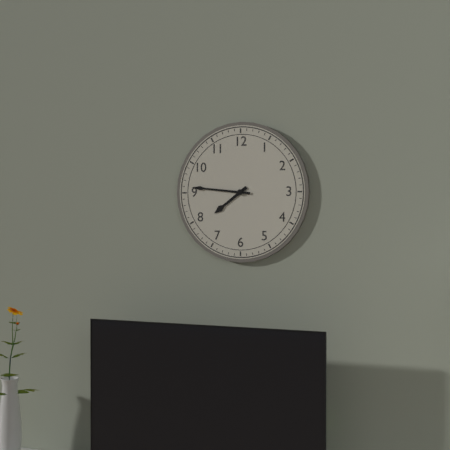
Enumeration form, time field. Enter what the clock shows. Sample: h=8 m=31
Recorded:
h=7 m=46
